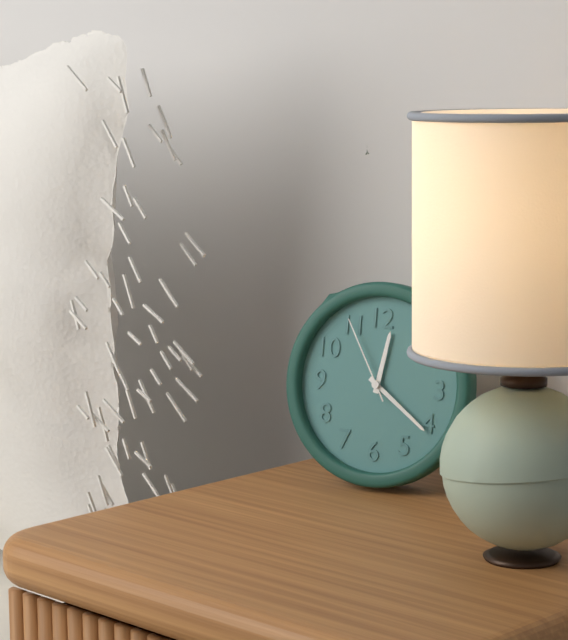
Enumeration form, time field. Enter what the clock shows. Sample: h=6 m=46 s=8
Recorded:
h=12 m=21 s=55
